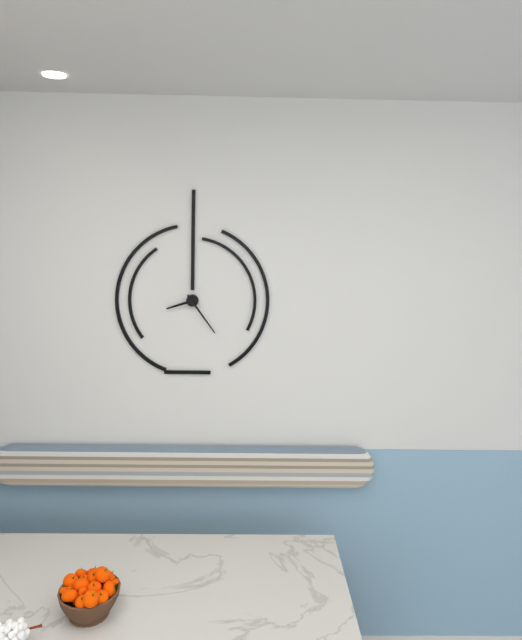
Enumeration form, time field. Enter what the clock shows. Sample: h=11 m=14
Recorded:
h=8 m=24
